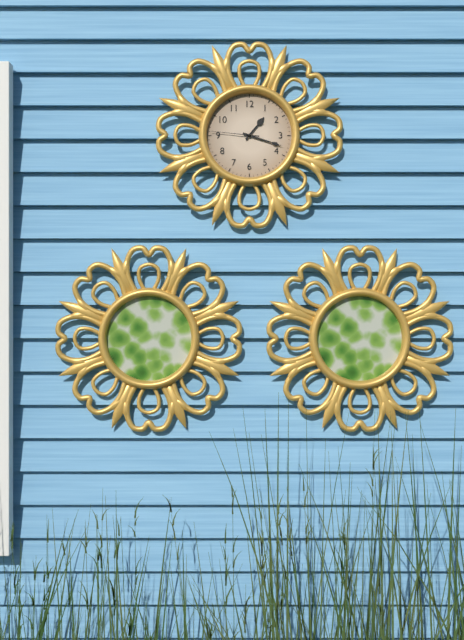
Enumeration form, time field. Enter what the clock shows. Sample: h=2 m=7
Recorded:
h=1 m=18
